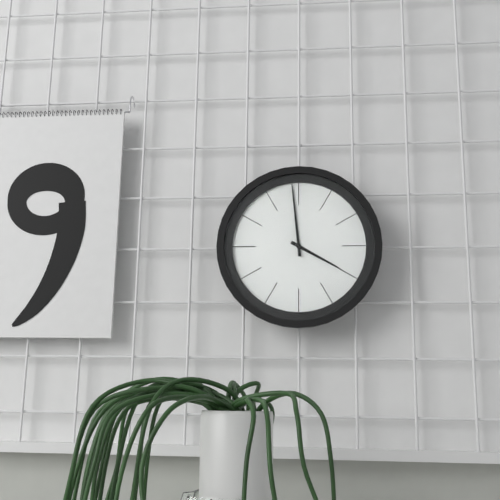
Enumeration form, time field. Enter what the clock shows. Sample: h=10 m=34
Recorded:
h=3 m=59
